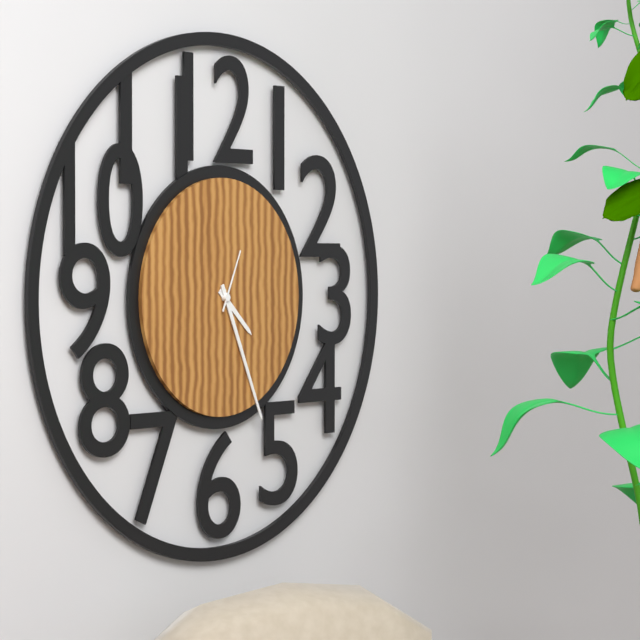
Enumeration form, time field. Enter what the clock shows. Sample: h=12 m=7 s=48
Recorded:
h=4 m=26 s=4
